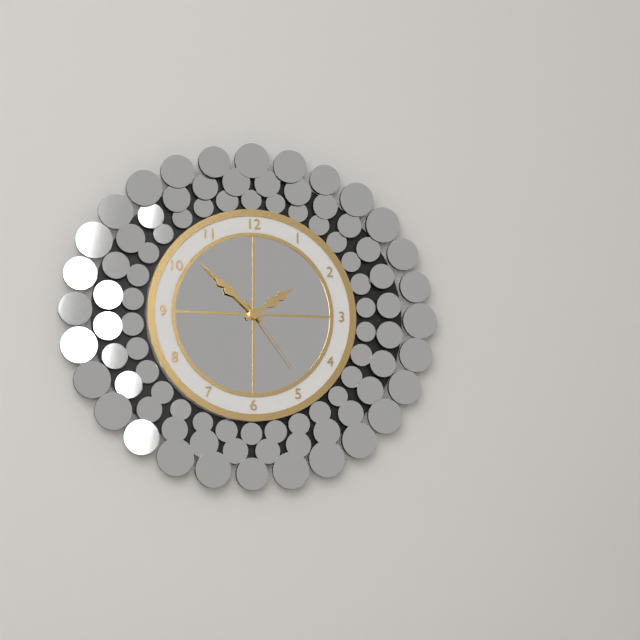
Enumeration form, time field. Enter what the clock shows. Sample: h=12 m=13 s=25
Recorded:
h=1 m=52 s=24
